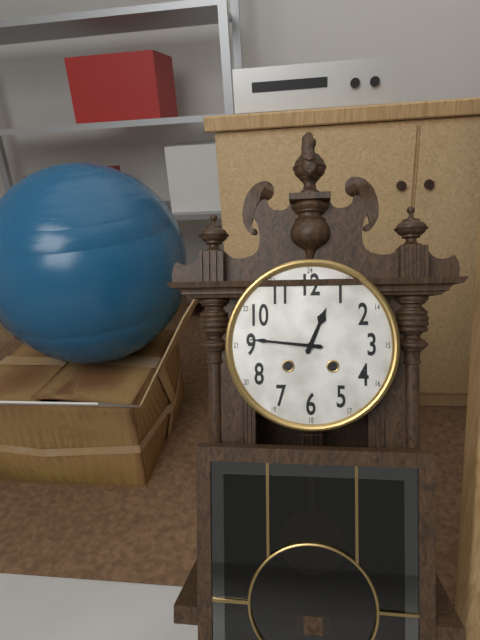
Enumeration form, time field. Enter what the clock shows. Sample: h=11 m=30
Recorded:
h=12 m=46
